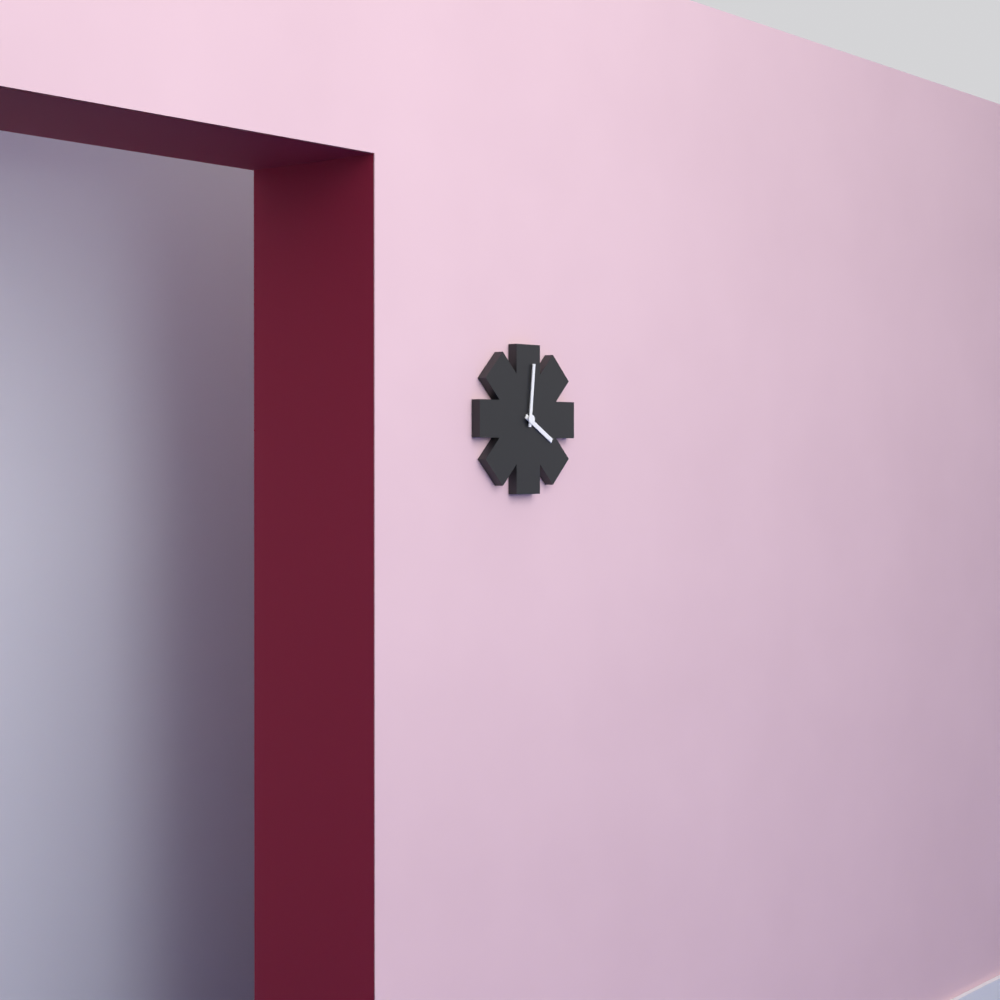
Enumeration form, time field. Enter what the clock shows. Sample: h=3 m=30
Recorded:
h=4 m=1
